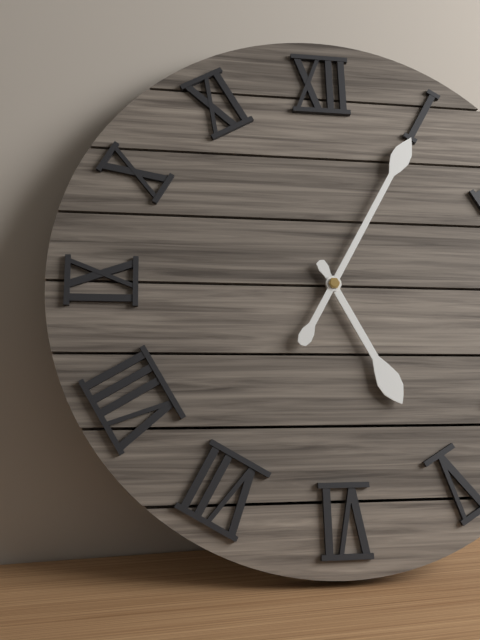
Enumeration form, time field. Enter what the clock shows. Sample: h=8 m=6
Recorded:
h=5 m=5
